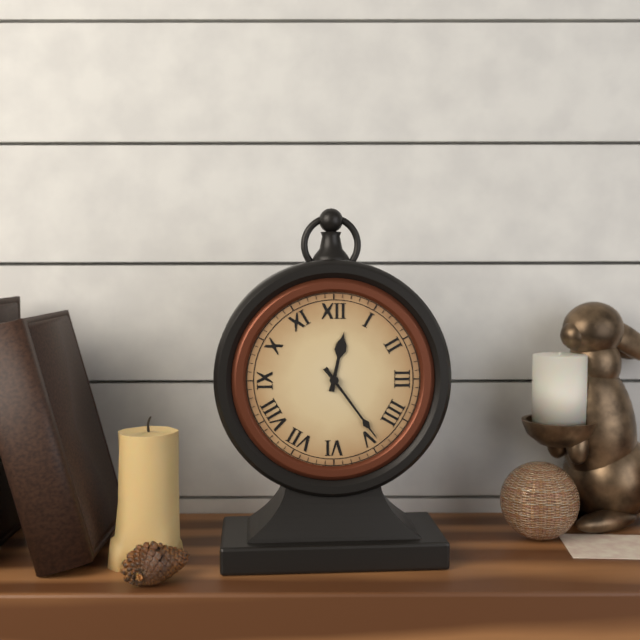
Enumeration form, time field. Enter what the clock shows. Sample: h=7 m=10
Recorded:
h=12 m=24
